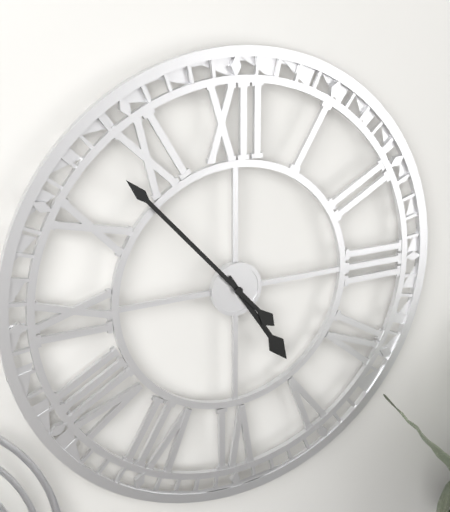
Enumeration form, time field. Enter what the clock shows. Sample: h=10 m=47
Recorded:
h=4 m=53
